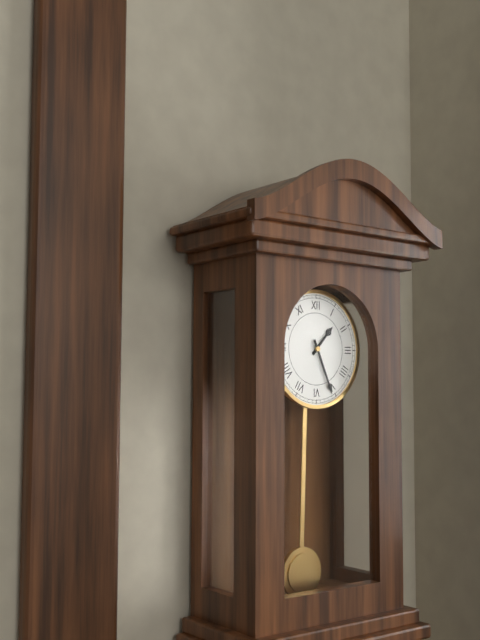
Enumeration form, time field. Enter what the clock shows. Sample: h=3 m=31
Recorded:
h=1 m=26
